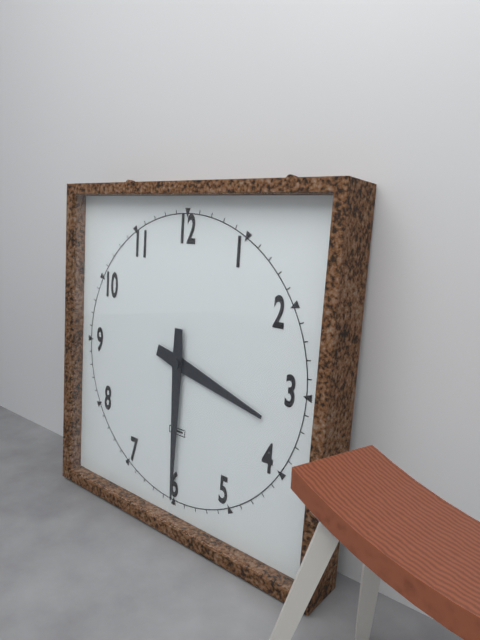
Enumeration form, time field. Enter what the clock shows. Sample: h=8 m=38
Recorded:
h=3 m=30
